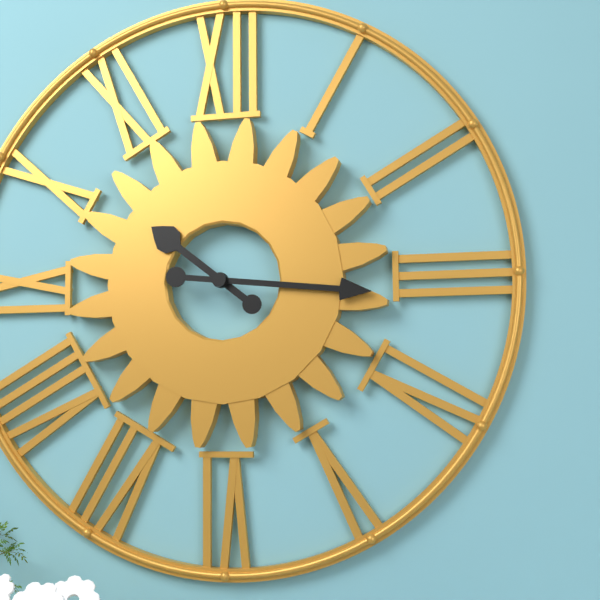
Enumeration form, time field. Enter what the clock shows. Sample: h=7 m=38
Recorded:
h=10 m=16
